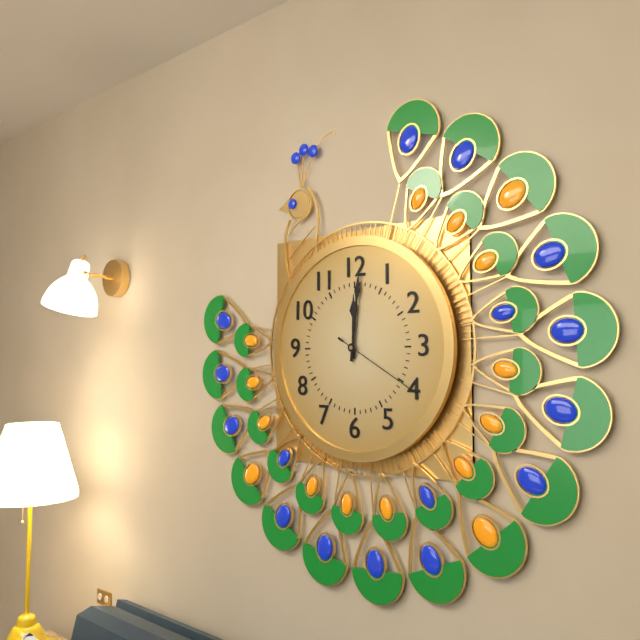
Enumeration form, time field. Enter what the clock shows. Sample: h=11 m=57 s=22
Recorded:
h=12 m=1 s=20
